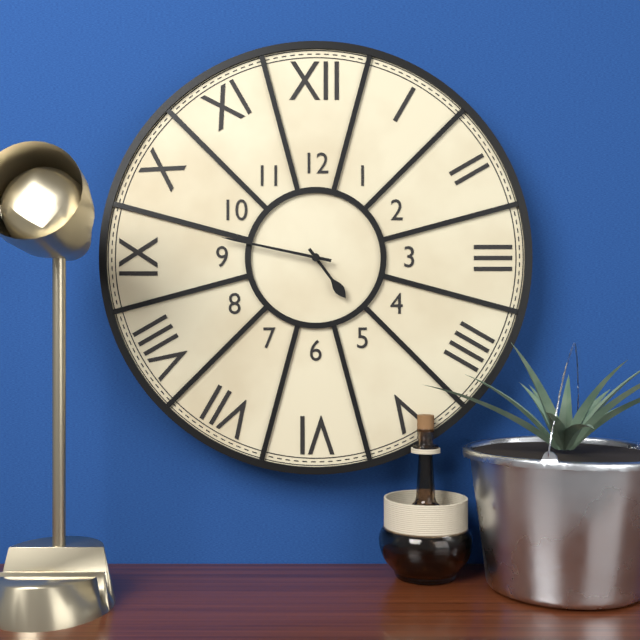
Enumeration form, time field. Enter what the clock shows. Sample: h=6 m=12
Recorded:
h=4 m=47
